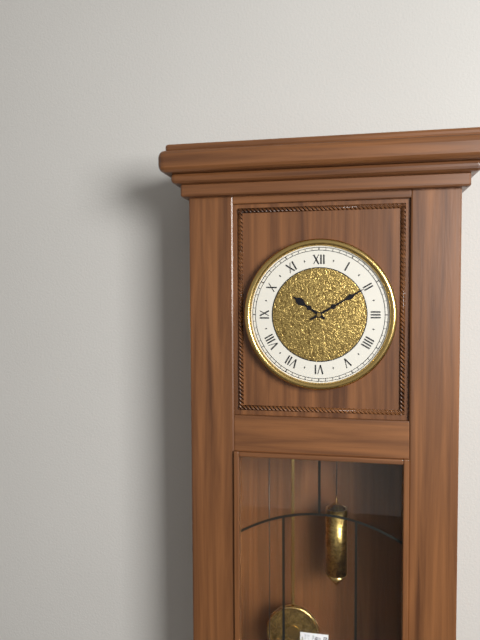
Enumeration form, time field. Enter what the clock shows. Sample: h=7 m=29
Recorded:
h=10 m=10
